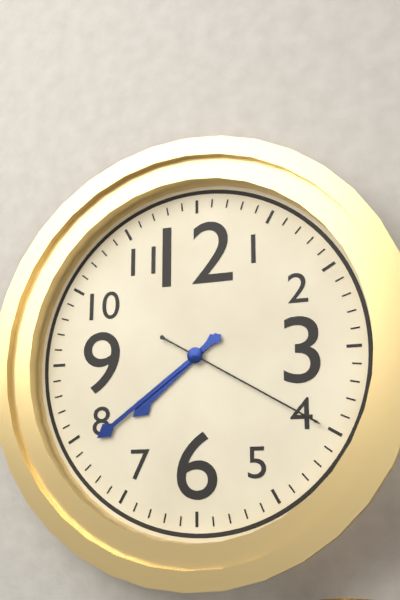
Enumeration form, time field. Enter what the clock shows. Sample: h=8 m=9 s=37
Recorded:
h=7 m=39 s=20
